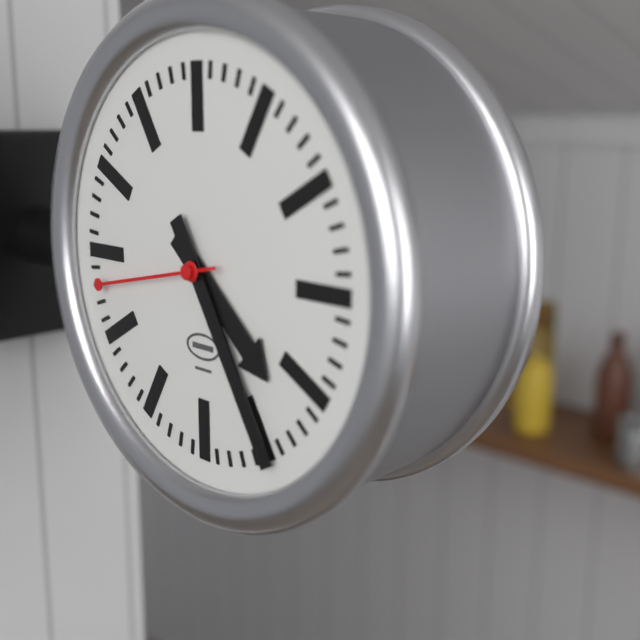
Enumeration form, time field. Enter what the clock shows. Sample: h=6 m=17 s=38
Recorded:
h=4 m=25 s=43
